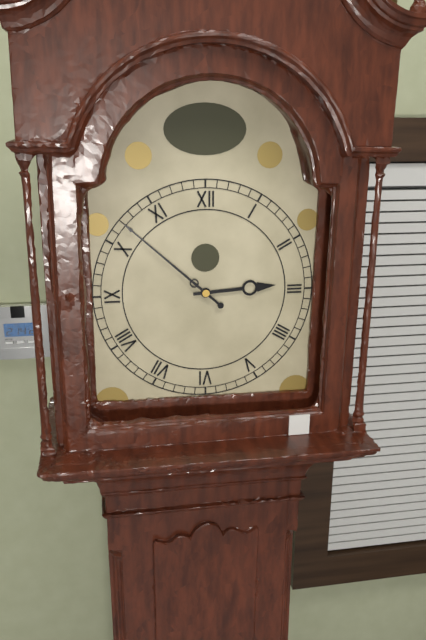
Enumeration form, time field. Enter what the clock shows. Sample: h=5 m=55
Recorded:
h=2 m=52
